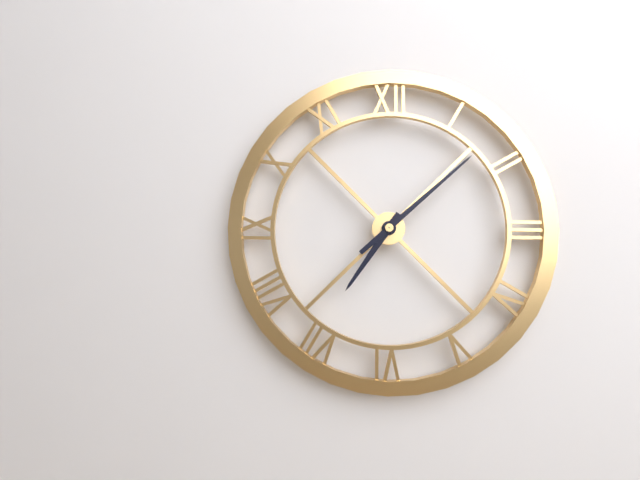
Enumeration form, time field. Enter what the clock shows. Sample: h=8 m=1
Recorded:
h=7 m=8
